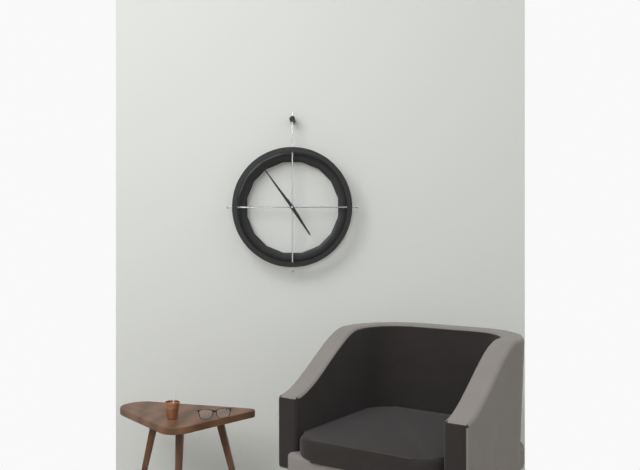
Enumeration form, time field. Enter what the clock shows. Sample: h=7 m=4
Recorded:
h=4 m=54
